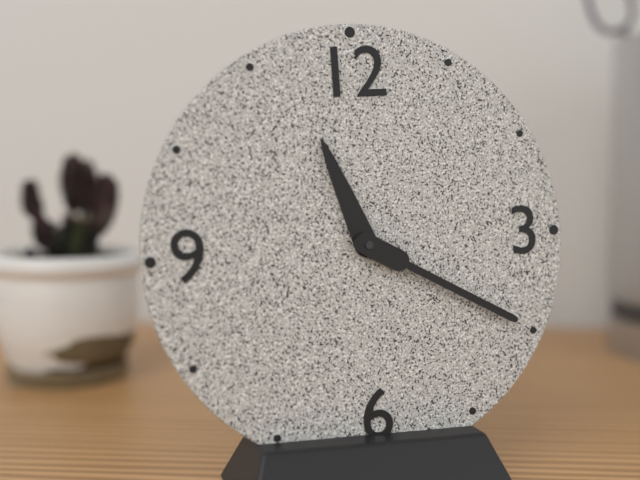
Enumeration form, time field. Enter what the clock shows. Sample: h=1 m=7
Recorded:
h=11 m=20
